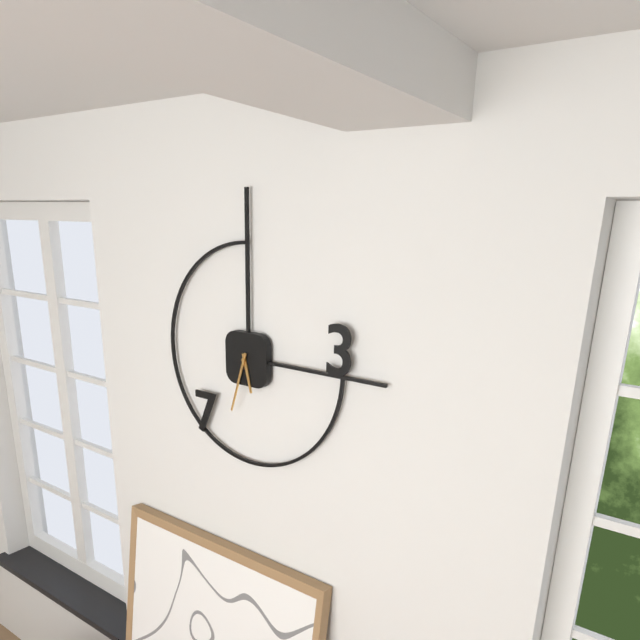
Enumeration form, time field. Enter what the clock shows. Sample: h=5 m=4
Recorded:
h=5 m=33
